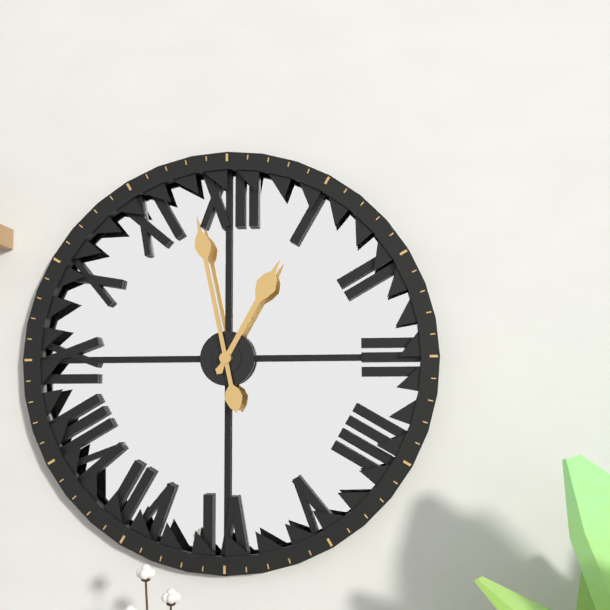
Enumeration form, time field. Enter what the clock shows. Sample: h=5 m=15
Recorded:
h=12 m=58
